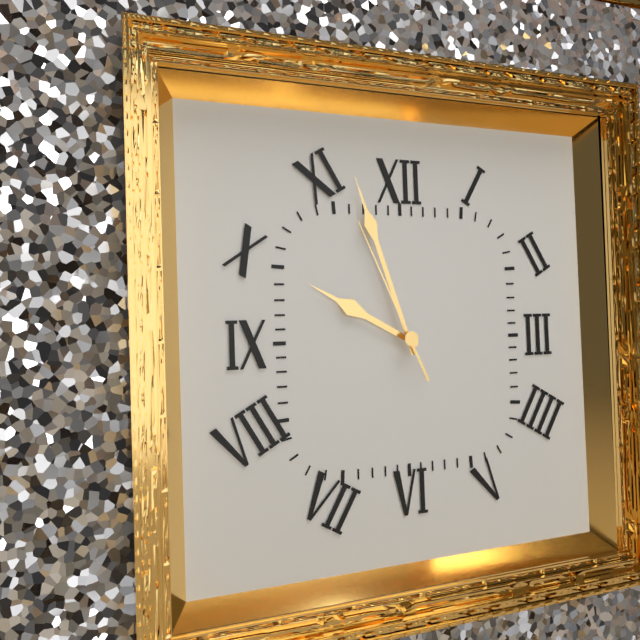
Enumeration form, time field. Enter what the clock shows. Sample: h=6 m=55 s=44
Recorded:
h=9 m=57 s=56
